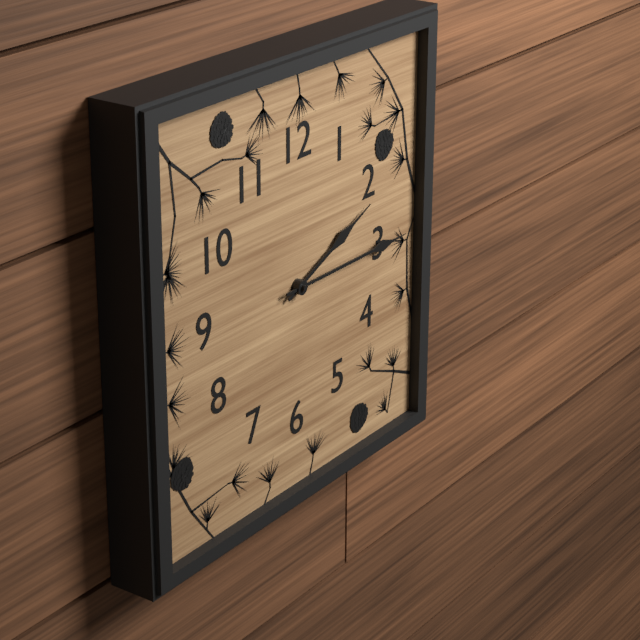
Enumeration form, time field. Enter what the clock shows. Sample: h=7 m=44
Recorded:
h=2 m=15
